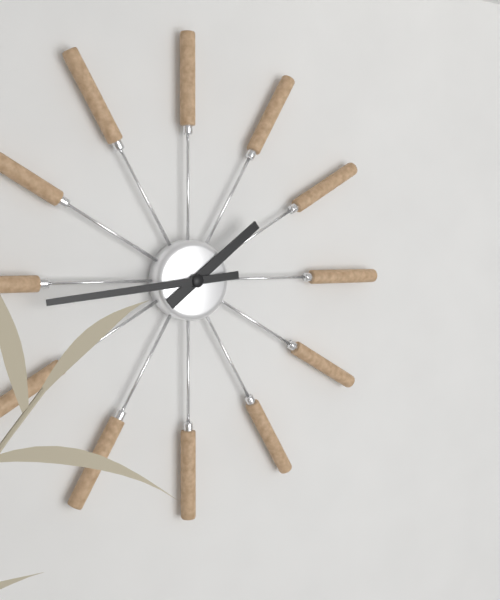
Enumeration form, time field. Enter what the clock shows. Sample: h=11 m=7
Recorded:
h=1 m=44
